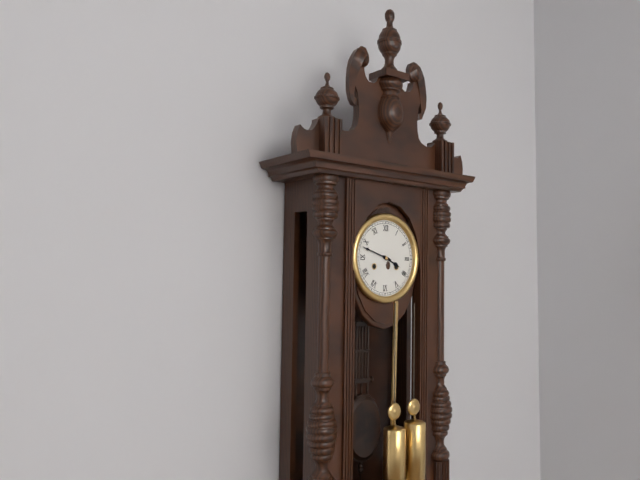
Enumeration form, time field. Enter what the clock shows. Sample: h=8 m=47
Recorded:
h=3 m=48
